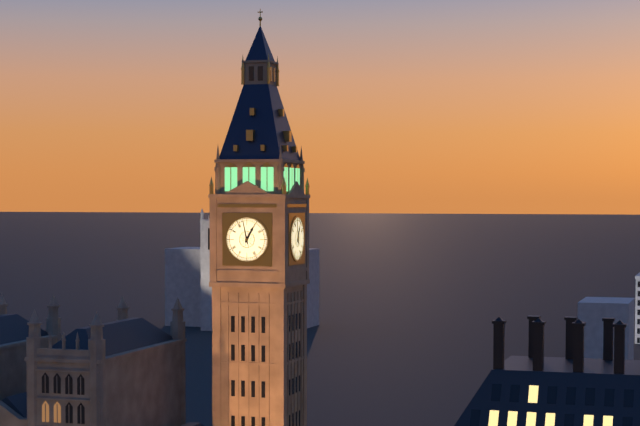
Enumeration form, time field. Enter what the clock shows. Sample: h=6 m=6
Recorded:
h=12 m=58
